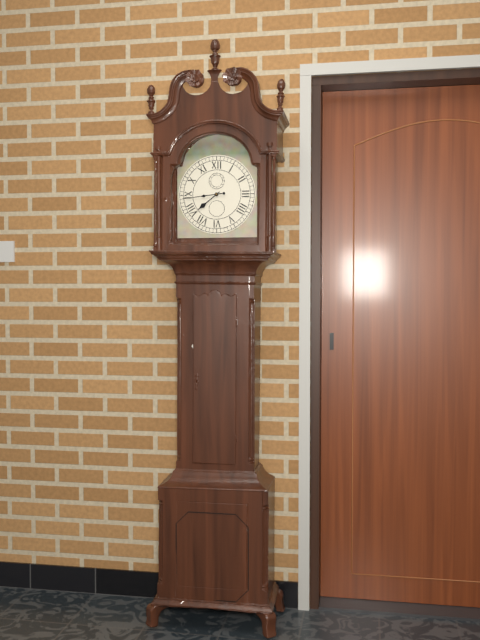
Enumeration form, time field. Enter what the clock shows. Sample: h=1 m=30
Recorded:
h=7 m=44
